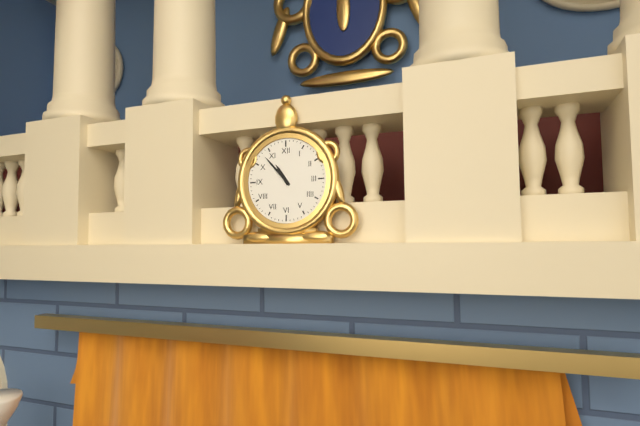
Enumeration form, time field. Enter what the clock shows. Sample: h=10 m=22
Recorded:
h=10 m=53
